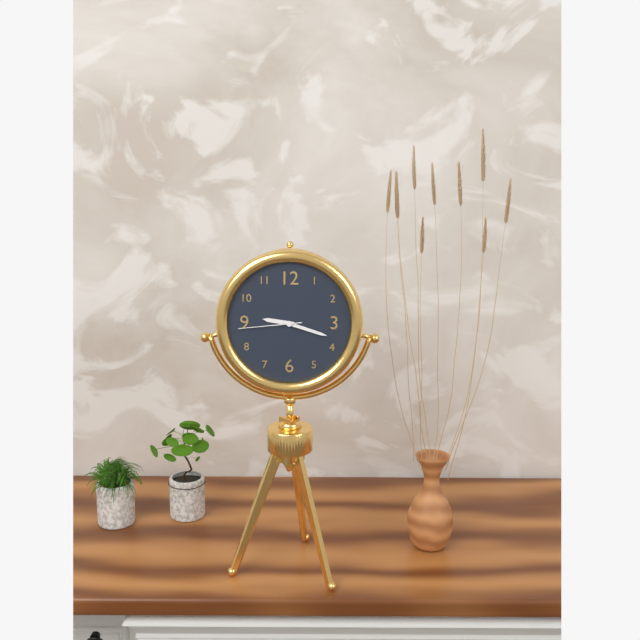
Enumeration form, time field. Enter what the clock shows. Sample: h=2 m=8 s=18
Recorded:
h=9 m=18 s=44
